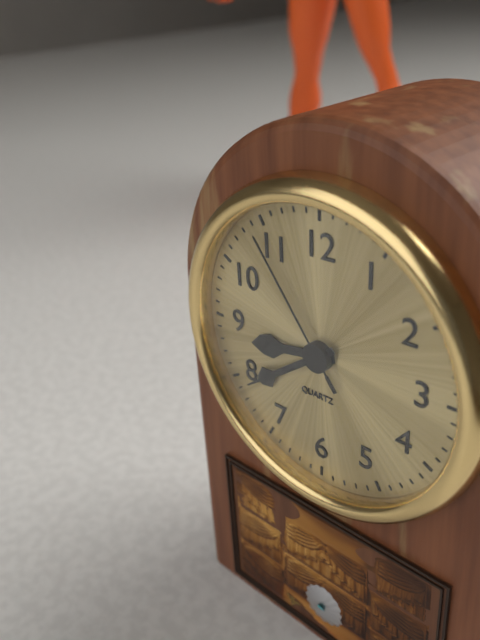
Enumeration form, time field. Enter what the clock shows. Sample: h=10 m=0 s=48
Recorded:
h=8 m=39 s=54
